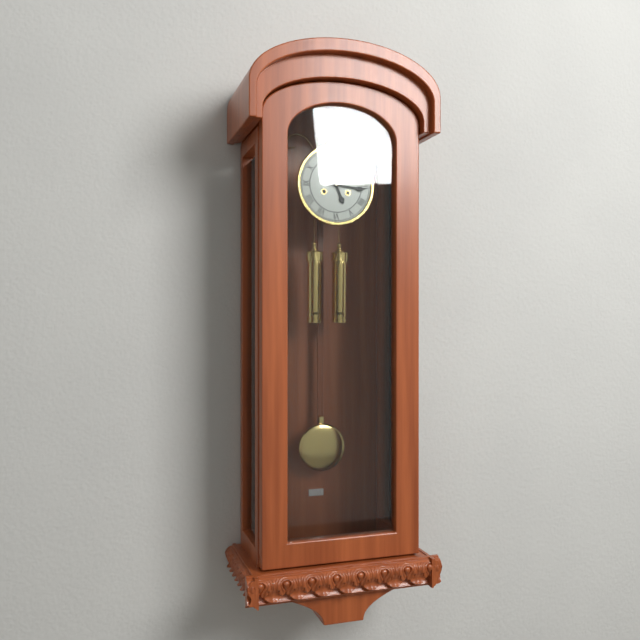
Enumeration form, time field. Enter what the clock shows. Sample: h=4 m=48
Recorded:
h=5 m=16
